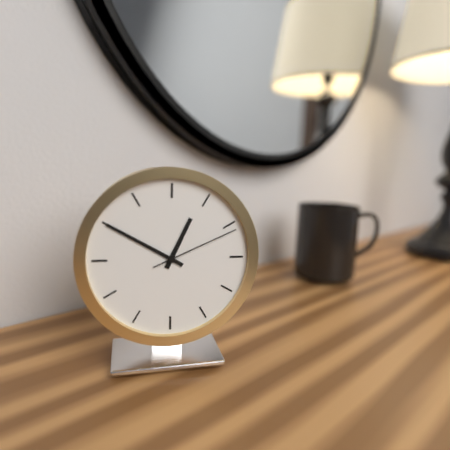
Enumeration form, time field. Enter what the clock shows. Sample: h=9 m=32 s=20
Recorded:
h=12 m=50 s=11
